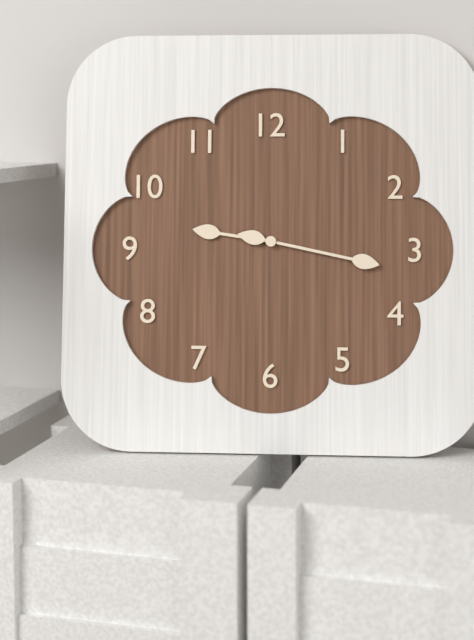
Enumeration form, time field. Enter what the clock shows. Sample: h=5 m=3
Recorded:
h=9 m=17
